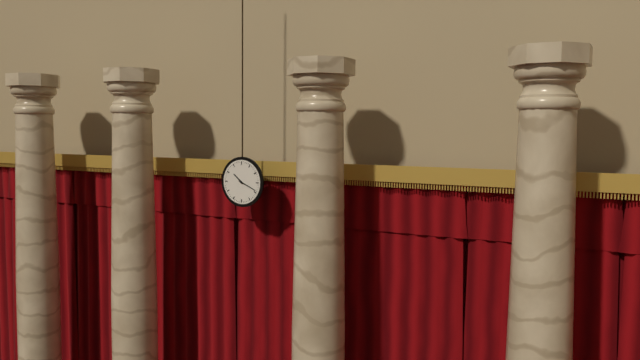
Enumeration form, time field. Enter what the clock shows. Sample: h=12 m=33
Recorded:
h=10 m=19
